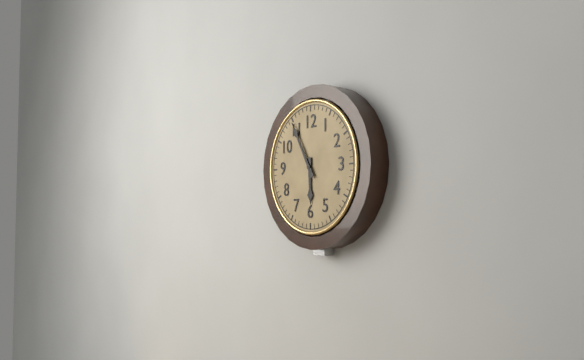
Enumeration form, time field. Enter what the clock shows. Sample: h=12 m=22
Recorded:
h=5 m=55
